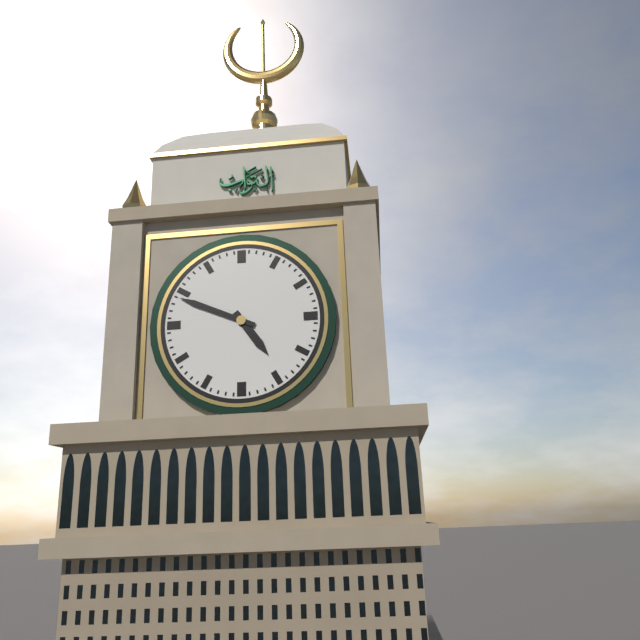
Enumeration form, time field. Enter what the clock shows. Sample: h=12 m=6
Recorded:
h=4 m=49
